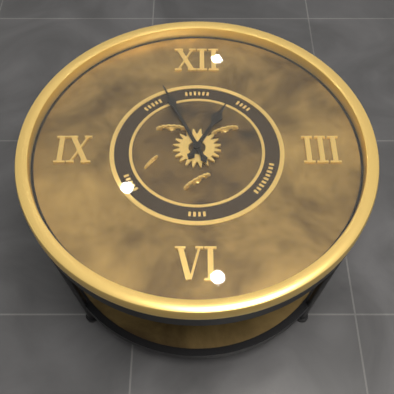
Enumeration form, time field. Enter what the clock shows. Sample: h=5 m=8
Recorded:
h=12 m=56
